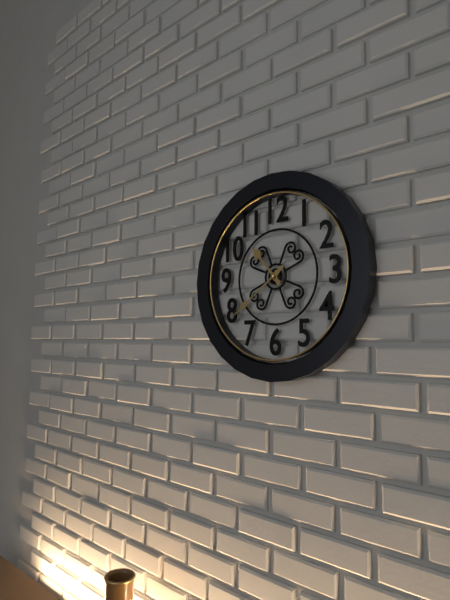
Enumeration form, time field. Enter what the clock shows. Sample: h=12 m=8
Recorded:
h=10 m=39
